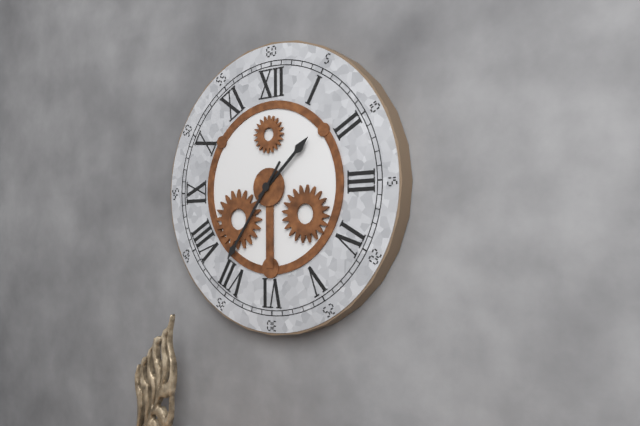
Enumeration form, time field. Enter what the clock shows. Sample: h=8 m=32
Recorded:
h=1 m=36
